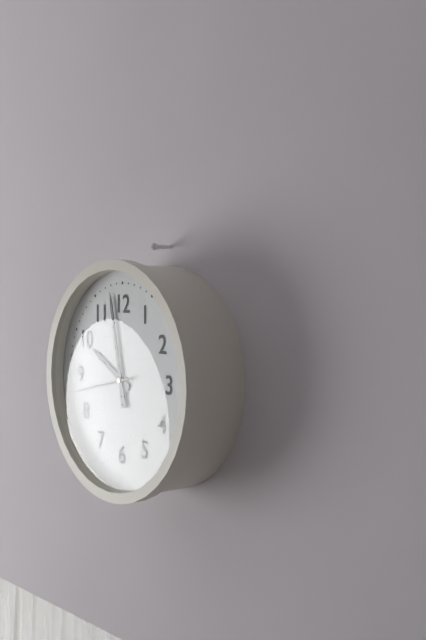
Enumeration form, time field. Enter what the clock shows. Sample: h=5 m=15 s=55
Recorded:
h=9 m=58 s=43
